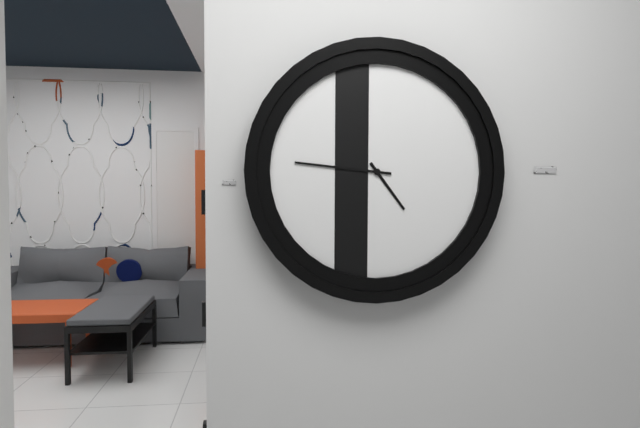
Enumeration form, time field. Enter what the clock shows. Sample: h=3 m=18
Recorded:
h=4 m=46
